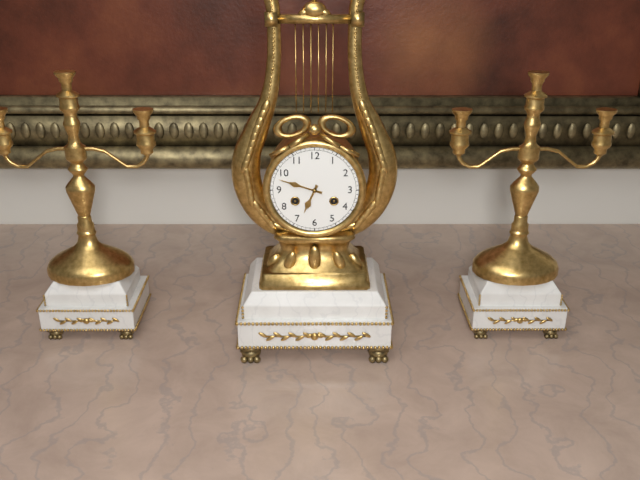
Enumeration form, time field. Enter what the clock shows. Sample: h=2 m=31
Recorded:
h=6 m=48
